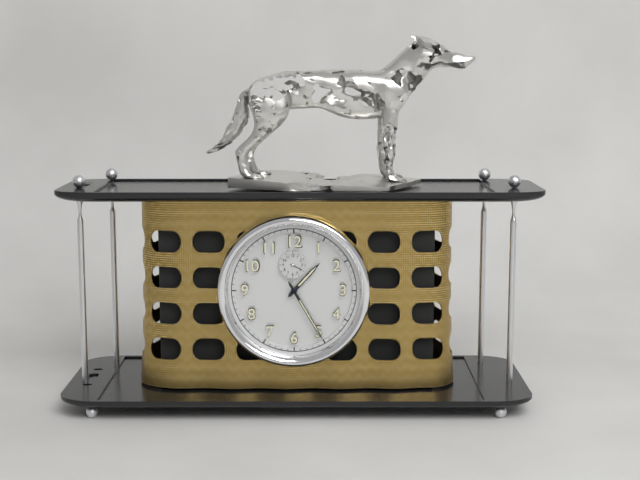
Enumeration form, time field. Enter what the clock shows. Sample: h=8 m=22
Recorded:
h=1 m=25
